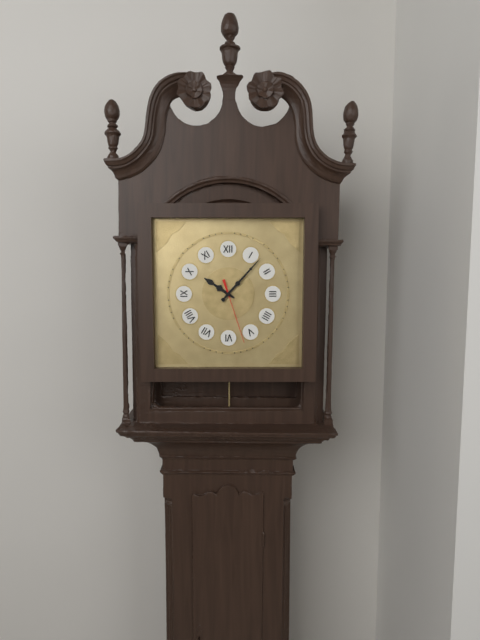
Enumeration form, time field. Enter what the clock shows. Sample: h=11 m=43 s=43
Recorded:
h=10 m=7 s=27
